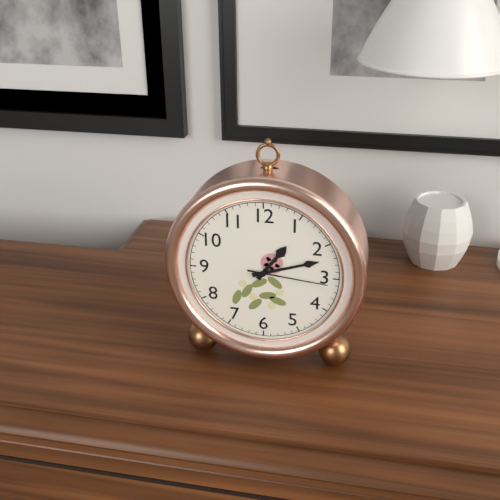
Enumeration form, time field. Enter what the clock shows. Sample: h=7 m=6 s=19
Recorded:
h=1 m=12 s=16
